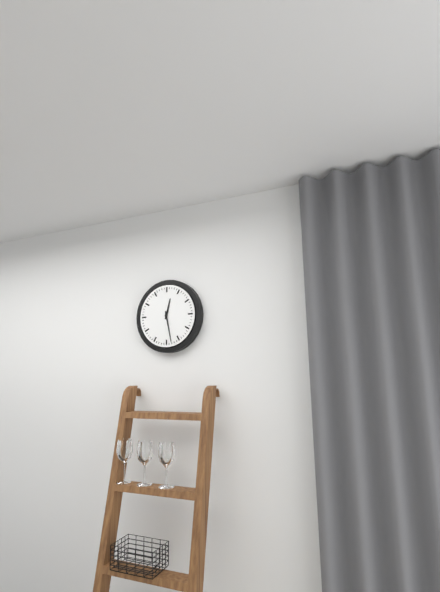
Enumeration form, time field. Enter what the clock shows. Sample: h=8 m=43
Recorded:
h=12 m=28
